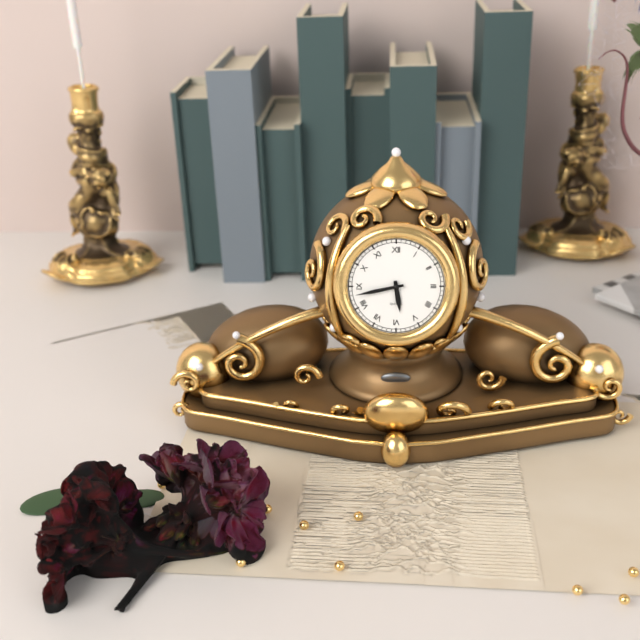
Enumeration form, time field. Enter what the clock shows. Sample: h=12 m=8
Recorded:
h=5 m=43
